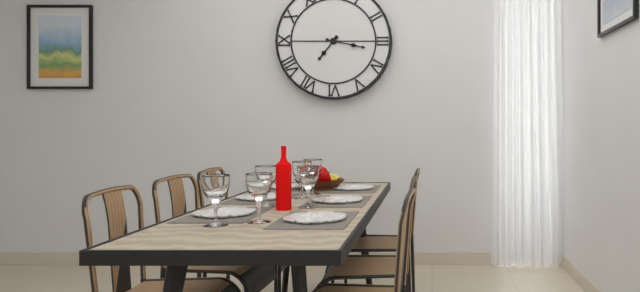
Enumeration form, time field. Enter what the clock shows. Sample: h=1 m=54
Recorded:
h=7 m=17
